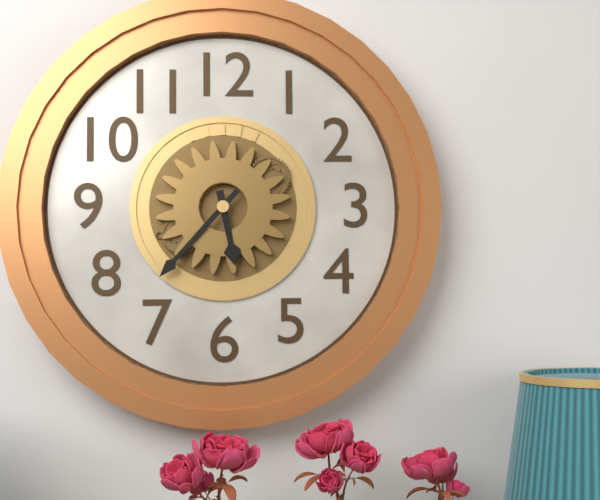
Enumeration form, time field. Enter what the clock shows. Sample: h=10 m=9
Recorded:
h=5 m=37
